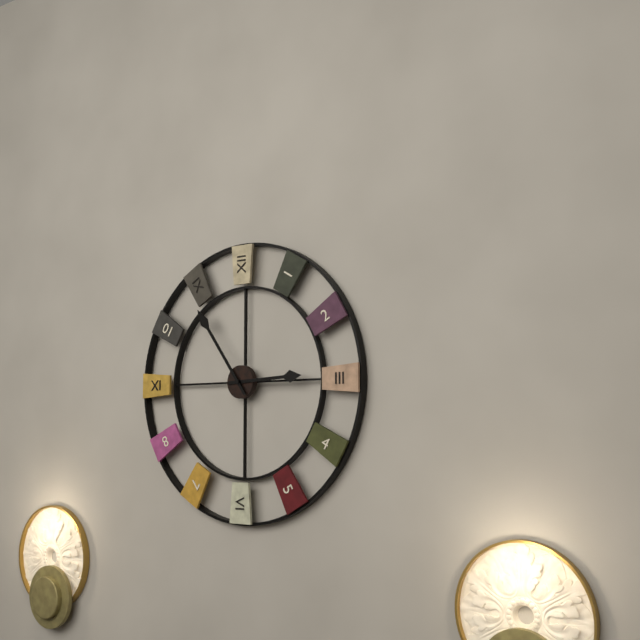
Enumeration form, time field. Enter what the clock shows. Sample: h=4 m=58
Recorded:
h=2 m=54
